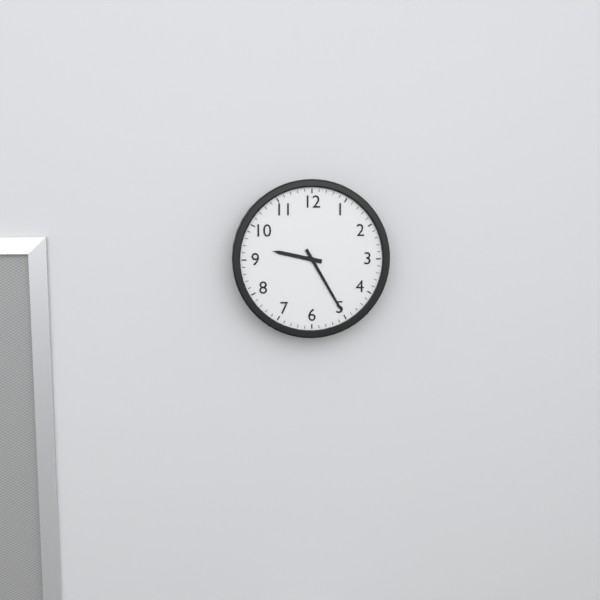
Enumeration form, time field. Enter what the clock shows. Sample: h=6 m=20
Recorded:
h=9 m=25
